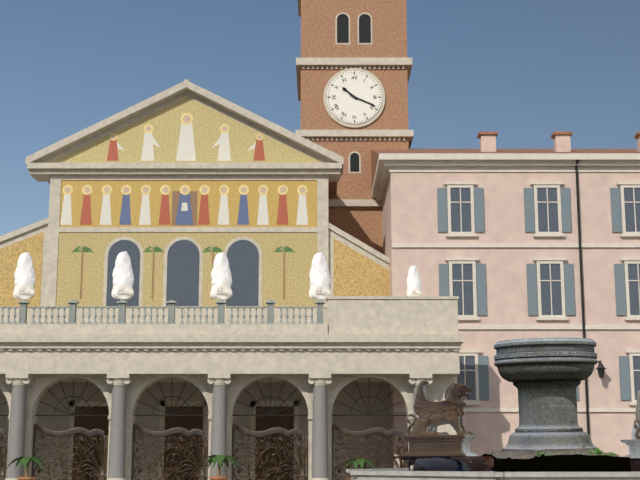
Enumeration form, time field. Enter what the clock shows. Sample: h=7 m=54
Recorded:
h=10 m=19
